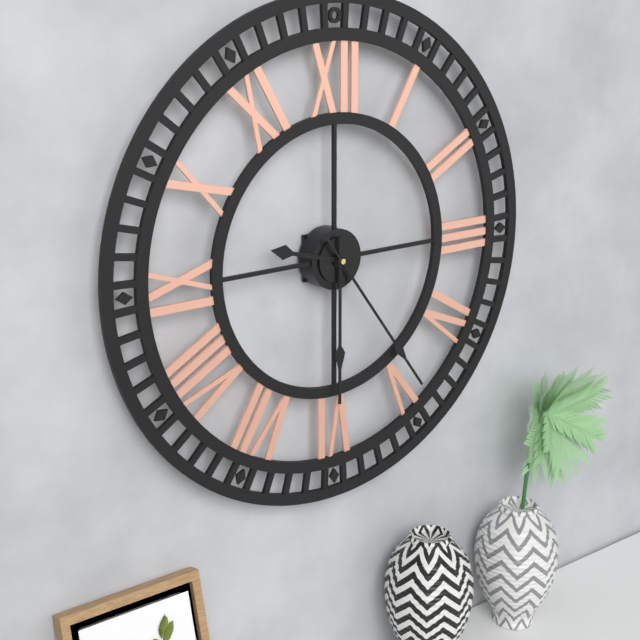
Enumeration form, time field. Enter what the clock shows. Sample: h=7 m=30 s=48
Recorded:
h=9 m=30 s=24
